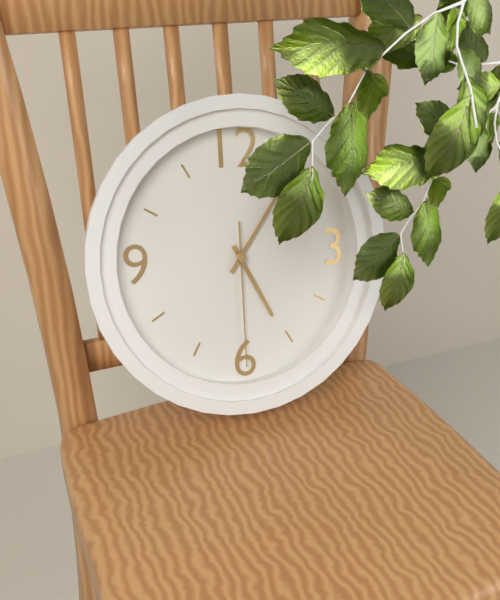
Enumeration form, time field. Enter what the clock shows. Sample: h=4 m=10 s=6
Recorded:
h=5 m=6 s=30
